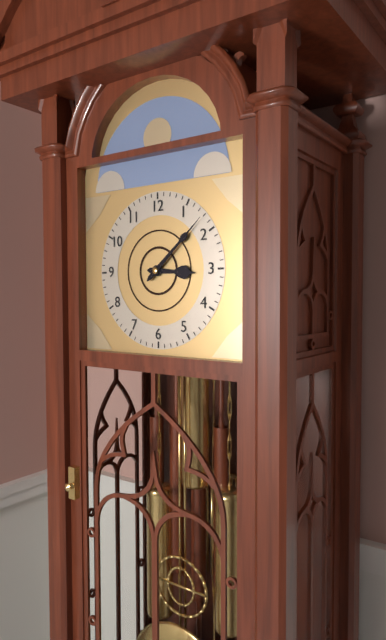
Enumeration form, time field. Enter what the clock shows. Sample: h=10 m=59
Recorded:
h=3 m=8
